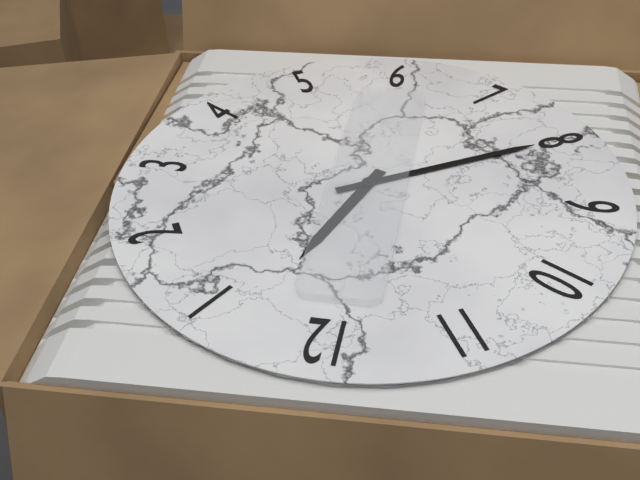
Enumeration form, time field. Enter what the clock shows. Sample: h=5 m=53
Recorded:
h=12 m=40
